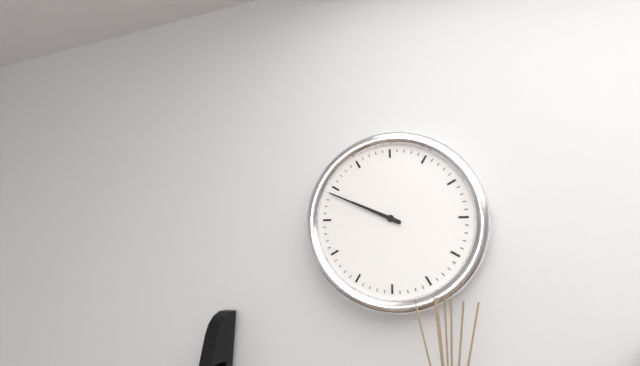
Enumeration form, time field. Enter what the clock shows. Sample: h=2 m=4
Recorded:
h=9 m=49
